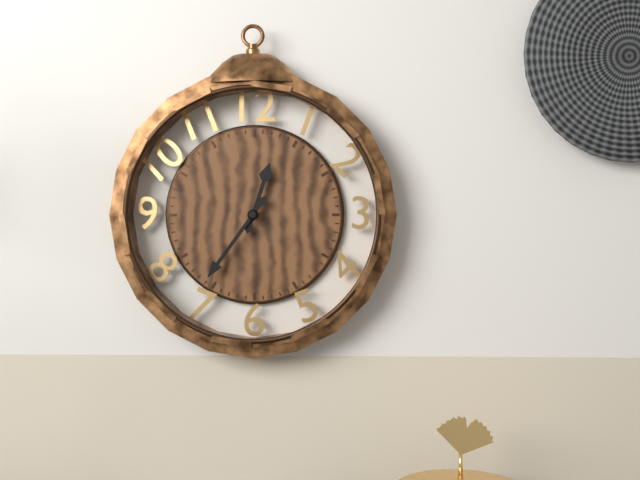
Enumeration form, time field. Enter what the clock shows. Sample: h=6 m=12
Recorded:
h=12 m=36
